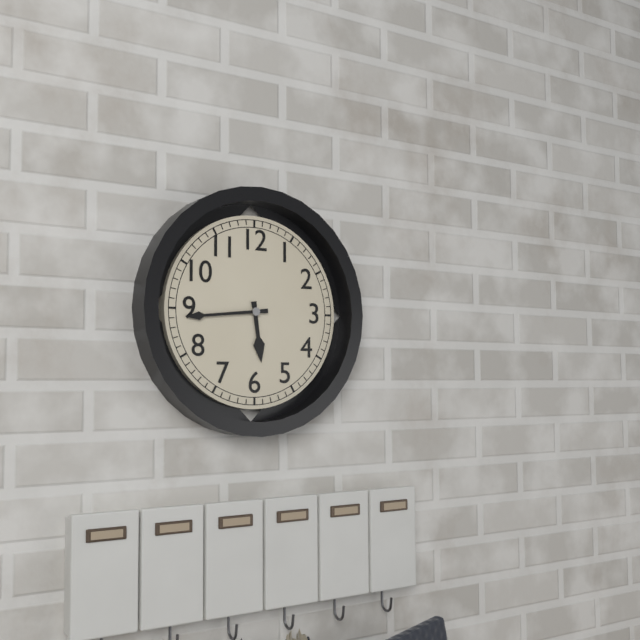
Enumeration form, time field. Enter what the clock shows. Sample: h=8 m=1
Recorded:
h=5 m=44
